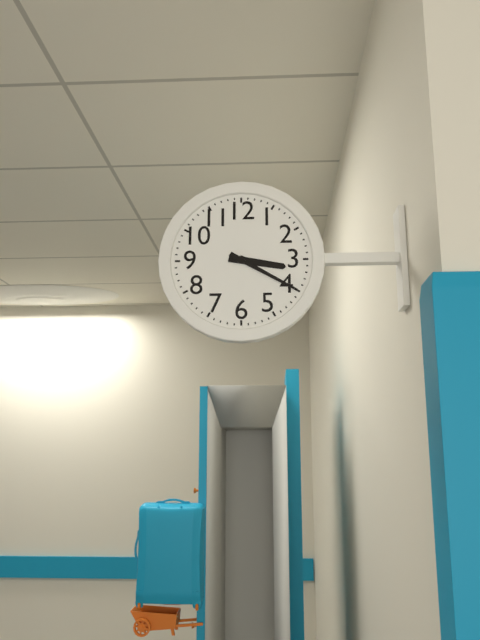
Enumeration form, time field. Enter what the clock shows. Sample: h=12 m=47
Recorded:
h=3 m=20
